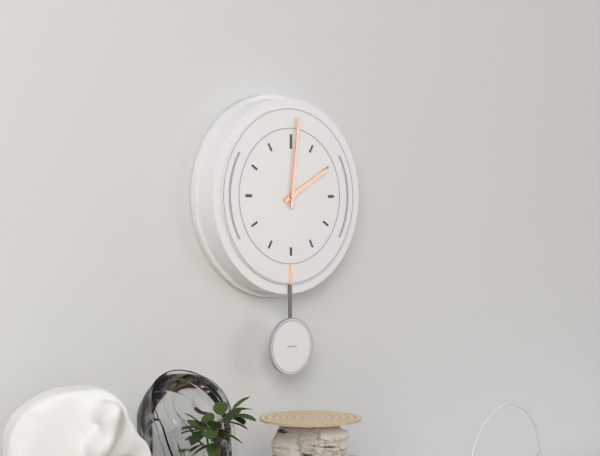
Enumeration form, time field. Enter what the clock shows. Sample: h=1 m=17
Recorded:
h=2 m=1
